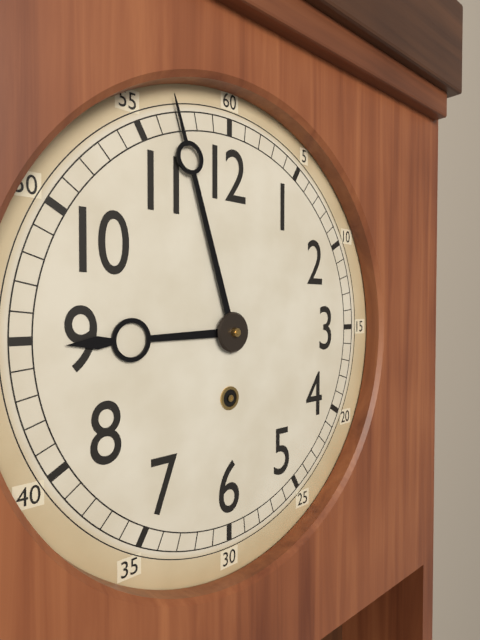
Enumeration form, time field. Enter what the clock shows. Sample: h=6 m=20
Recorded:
h=8 m=57
